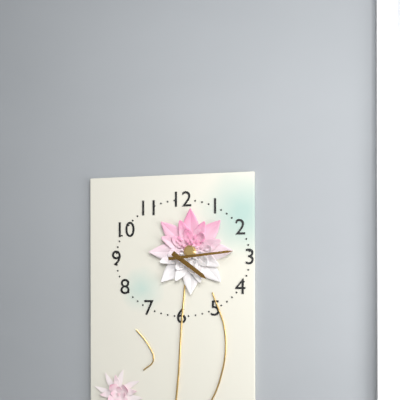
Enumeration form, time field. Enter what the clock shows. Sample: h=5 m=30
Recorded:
h=4 m=14
